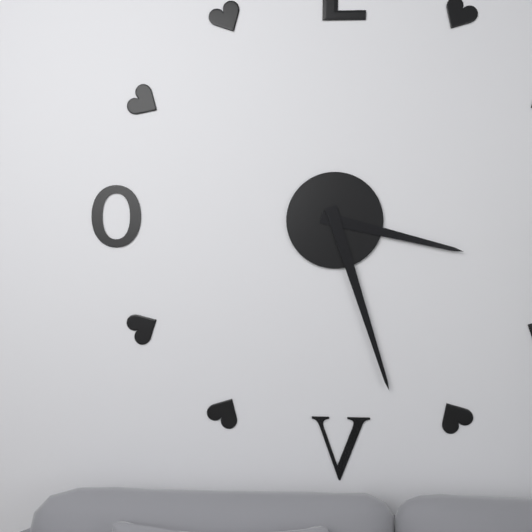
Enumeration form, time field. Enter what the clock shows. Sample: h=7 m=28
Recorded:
h=3 m=27
